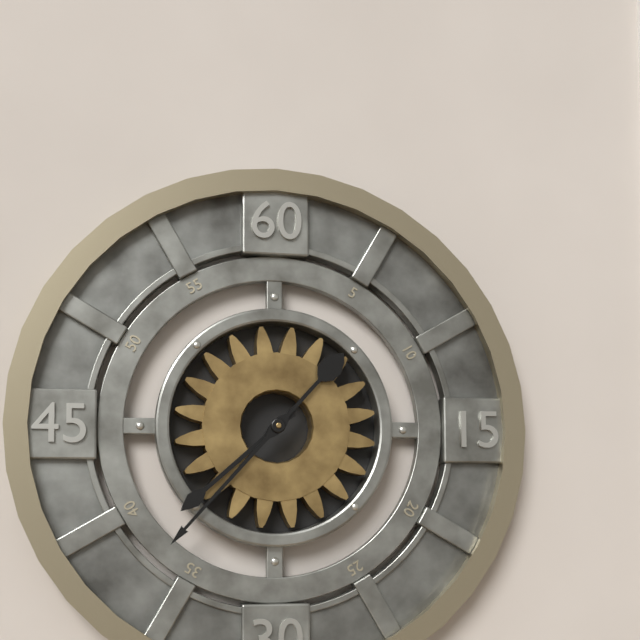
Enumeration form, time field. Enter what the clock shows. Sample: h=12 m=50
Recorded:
h=7 m=37
